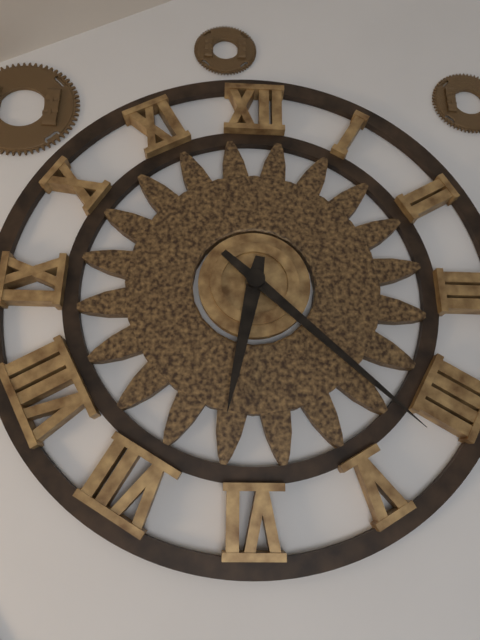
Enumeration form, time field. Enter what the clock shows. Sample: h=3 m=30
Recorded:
h=6 m=22
